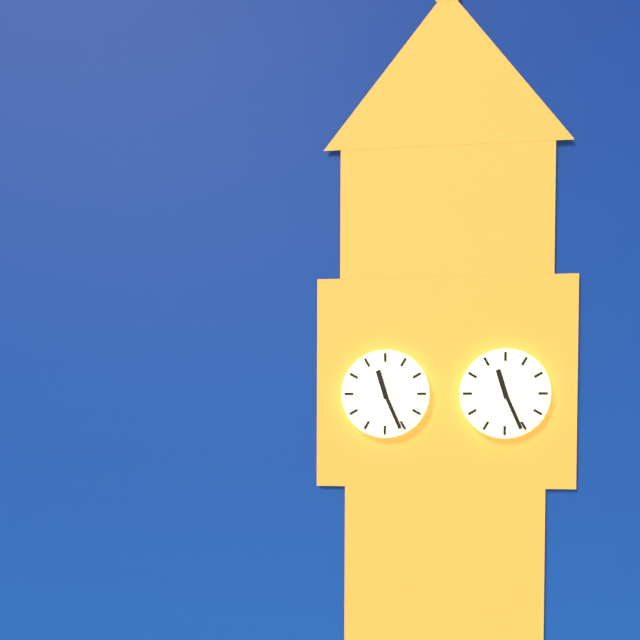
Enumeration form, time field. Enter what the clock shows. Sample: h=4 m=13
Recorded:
h=11 m=26
